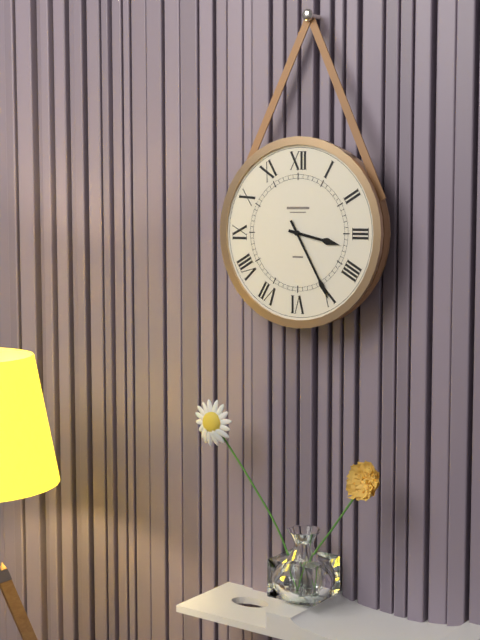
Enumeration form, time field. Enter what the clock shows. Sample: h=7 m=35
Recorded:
h=3 m=25
